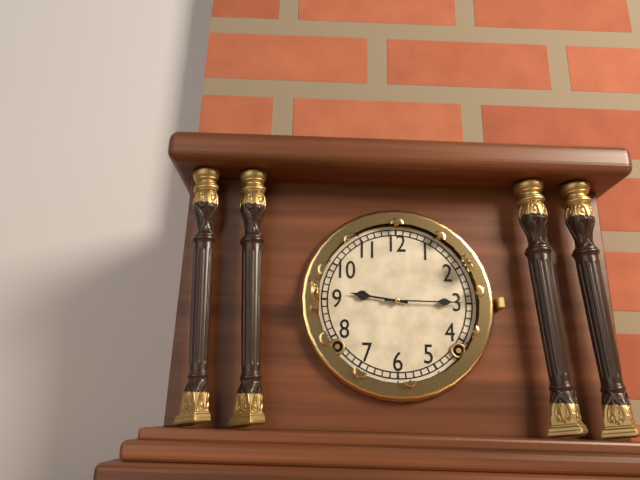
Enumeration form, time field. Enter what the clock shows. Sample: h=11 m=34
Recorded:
h=9 m=15
